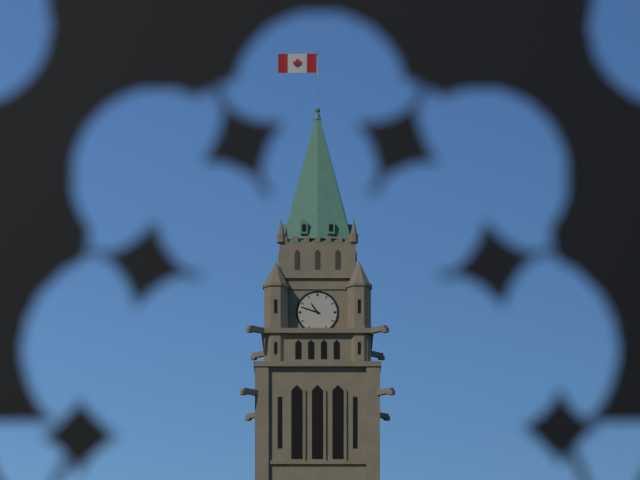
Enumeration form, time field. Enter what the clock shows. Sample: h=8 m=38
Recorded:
h=10 m=48
